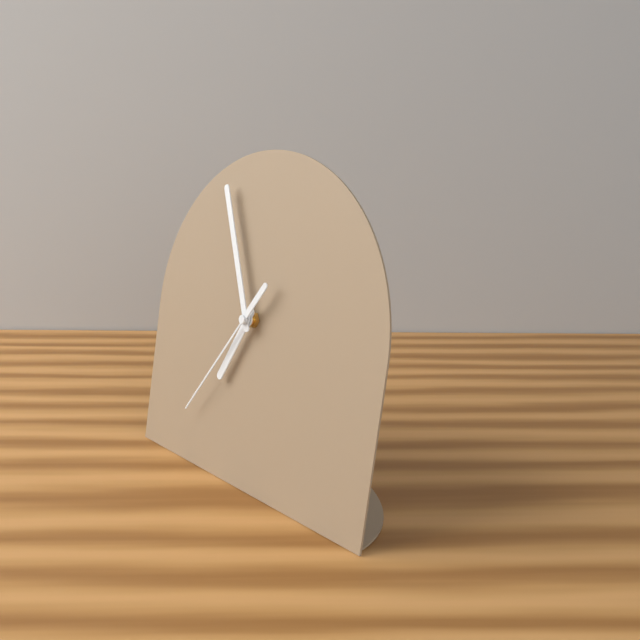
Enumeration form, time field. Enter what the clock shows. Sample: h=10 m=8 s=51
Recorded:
h=6 m=56 s=36
